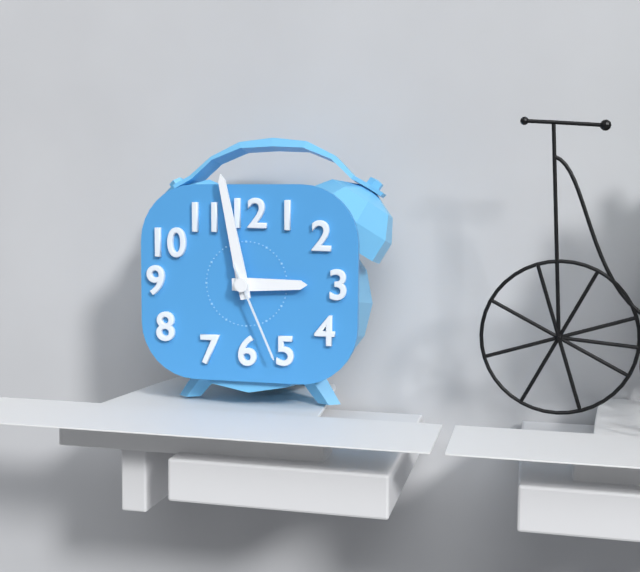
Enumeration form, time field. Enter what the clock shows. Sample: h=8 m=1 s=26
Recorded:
h=2 m=58 s=26
